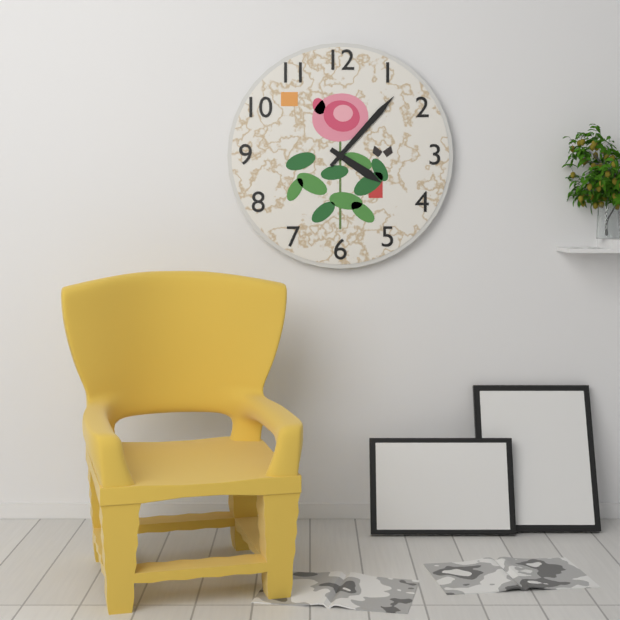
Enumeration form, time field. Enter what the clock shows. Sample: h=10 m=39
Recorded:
h=4 m=7
